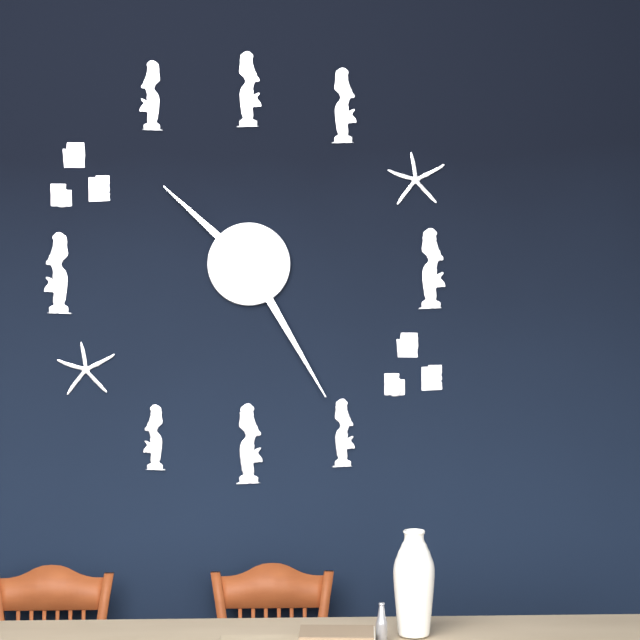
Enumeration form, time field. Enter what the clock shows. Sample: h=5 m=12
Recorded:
h=10 m=25
